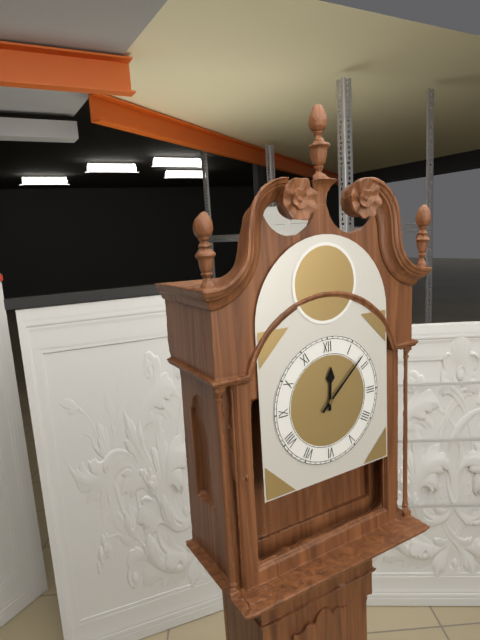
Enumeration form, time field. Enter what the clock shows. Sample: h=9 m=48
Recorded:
h=12 m=8
